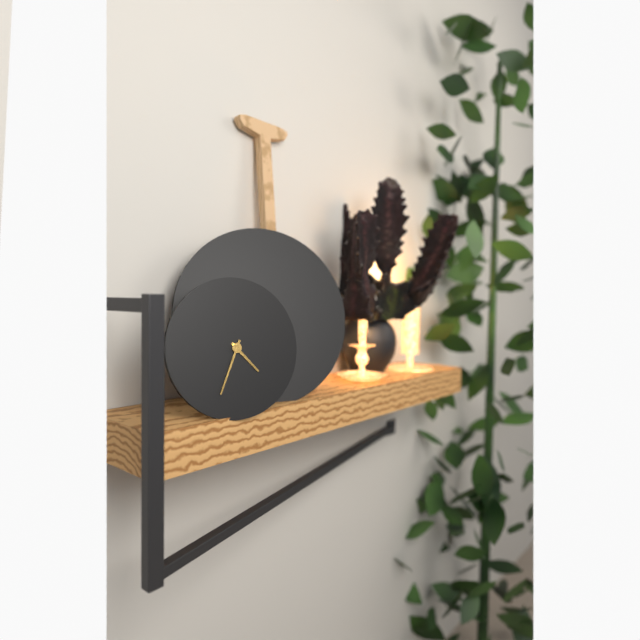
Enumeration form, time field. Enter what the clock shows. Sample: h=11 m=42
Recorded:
h=4 m=34
